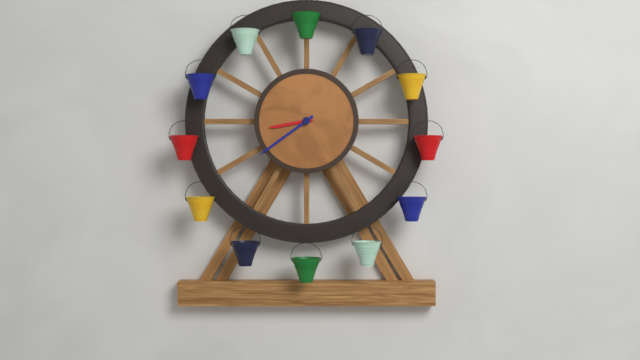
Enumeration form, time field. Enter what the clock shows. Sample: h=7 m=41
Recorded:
h=8 m=39
